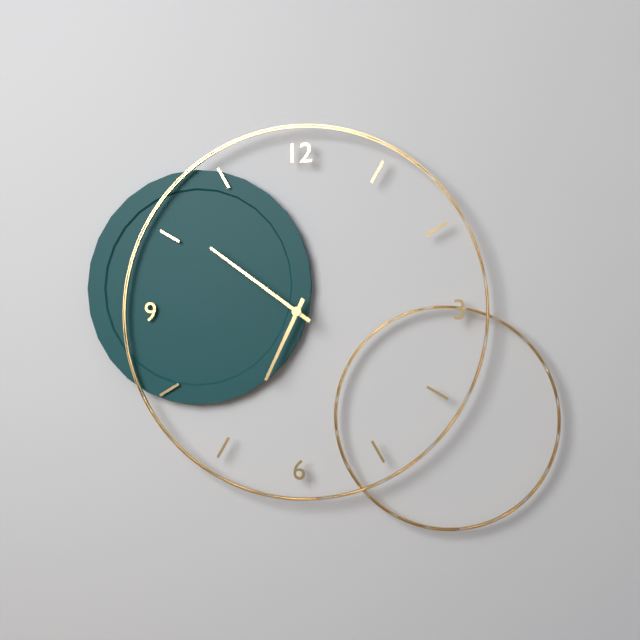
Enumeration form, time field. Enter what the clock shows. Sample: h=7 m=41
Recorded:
h=6 m=51
